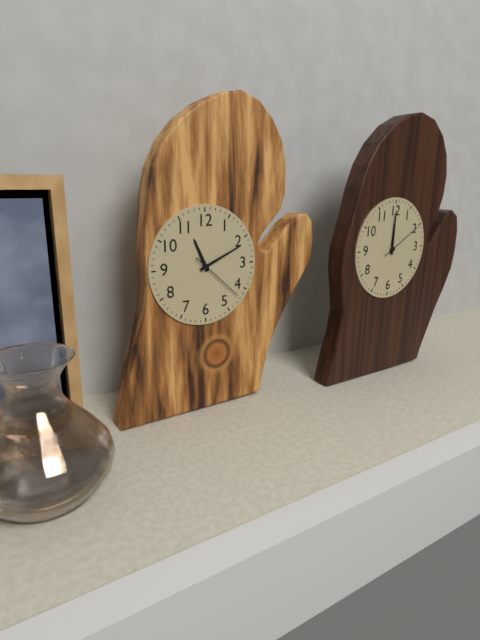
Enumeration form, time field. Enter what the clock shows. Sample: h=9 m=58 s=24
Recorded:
h=11 m=11 s=22
